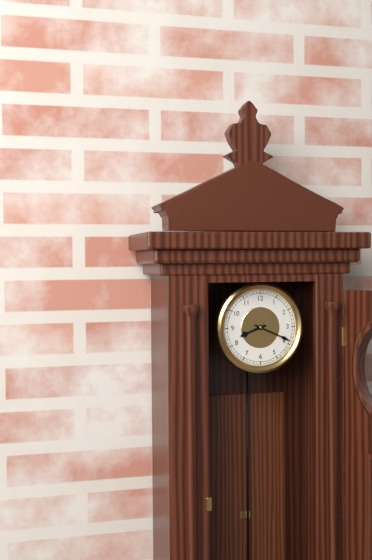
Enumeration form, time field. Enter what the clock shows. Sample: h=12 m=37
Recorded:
h=8 m=19
